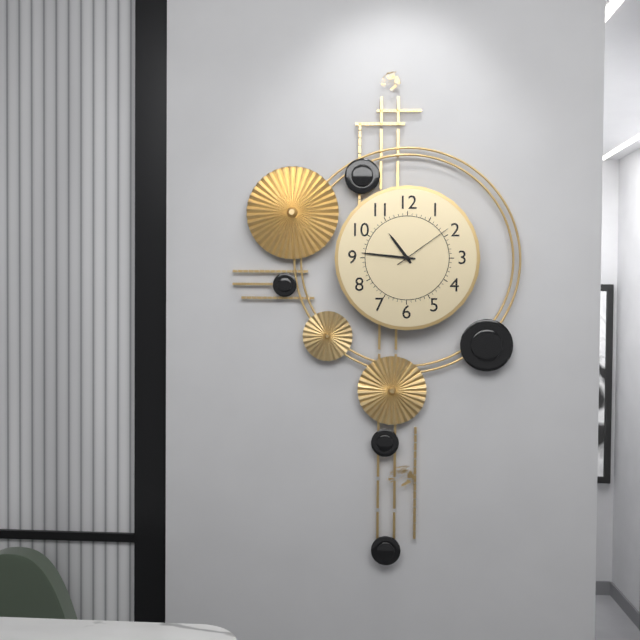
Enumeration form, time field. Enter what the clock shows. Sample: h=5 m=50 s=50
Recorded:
h=10 m=46 s=9
